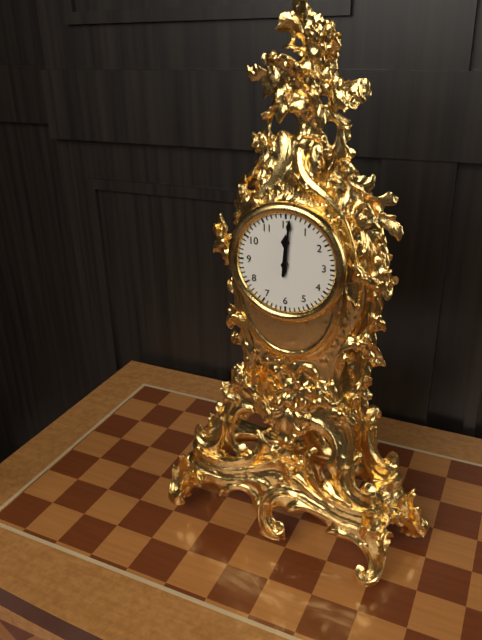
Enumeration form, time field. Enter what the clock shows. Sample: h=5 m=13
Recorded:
h=12 m=1
